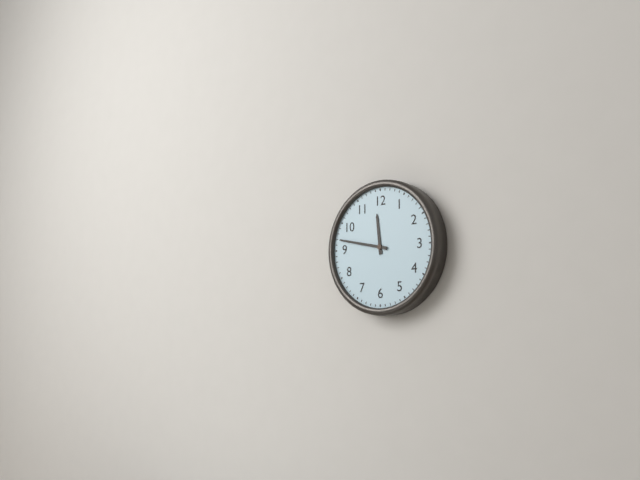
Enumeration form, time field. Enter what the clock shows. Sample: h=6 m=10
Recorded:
h=11 m=47
